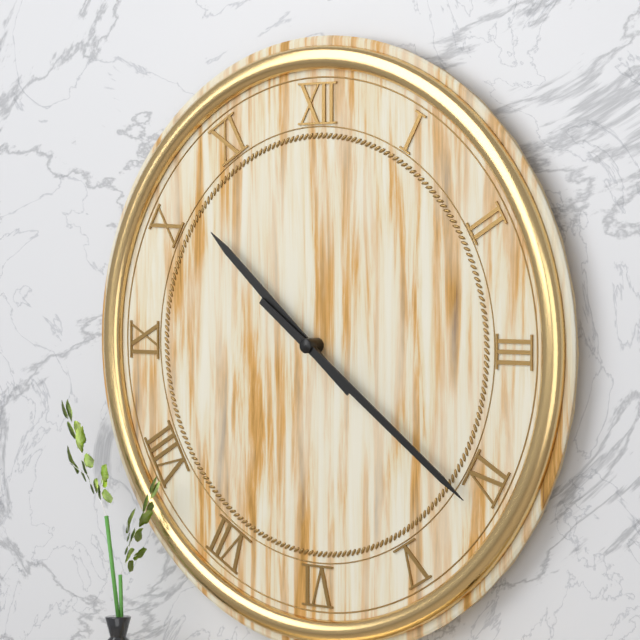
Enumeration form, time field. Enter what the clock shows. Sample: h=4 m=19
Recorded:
h=10 m=21
